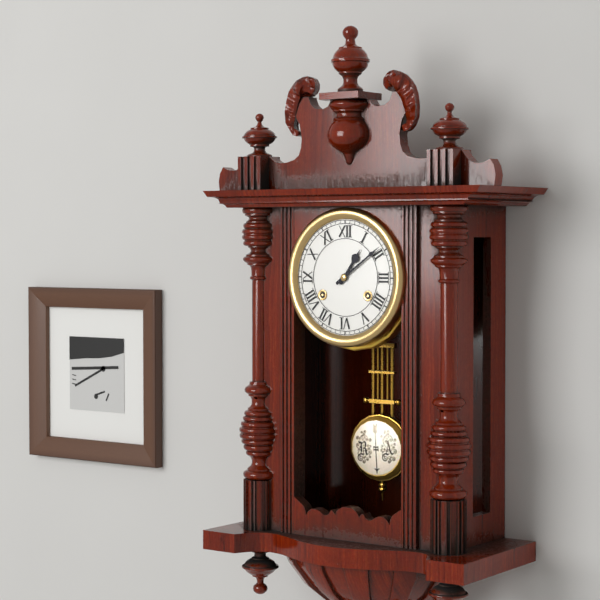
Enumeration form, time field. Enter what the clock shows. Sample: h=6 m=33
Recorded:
h=1 m=9
